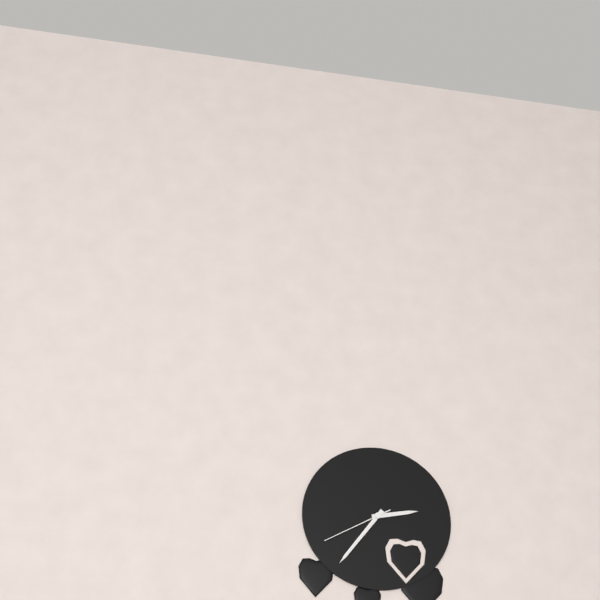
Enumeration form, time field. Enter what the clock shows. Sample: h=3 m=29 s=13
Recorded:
h=2 m=36 s=40
